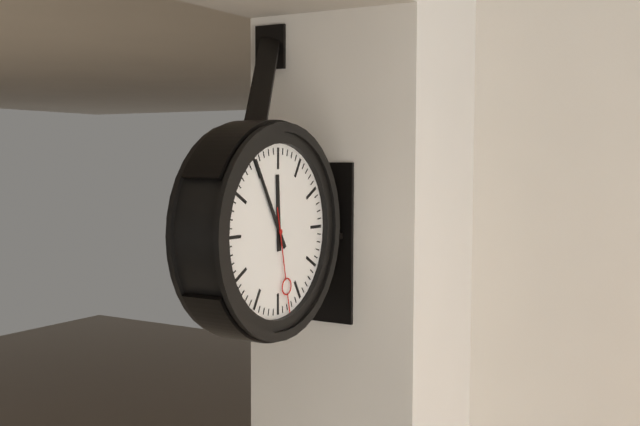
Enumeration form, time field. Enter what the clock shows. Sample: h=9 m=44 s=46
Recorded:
h=11 m=55 s=28
